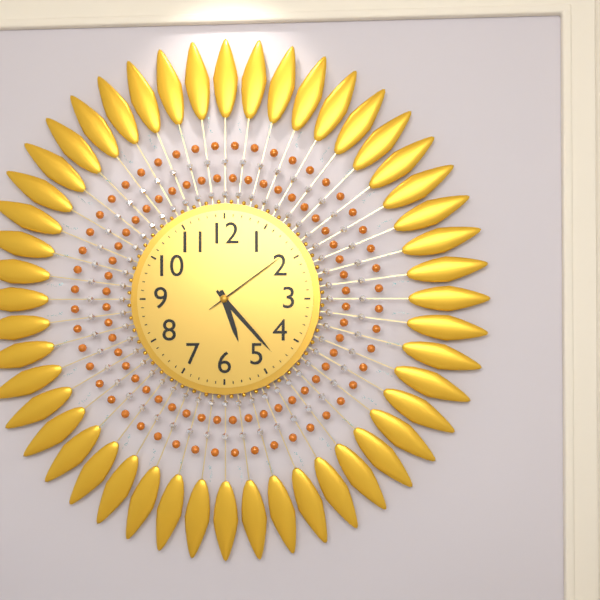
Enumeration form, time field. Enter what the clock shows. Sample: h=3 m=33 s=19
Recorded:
h=5 m=23 s=9
